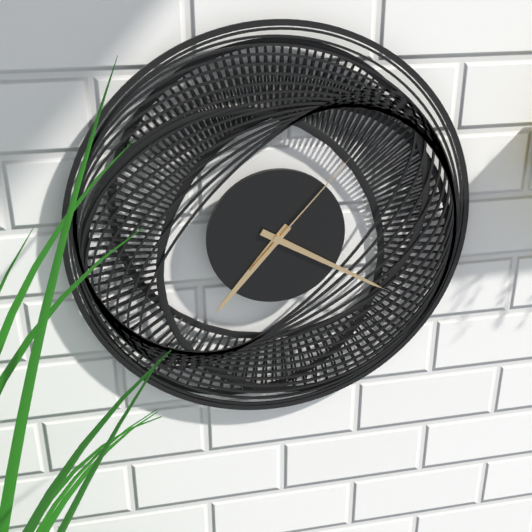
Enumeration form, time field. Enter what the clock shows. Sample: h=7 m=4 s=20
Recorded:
h=7 m=20 s=7
